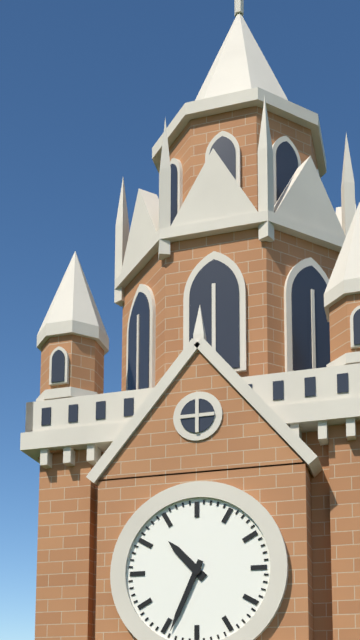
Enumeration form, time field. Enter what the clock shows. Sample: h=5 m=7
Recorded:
h=10 m=34
